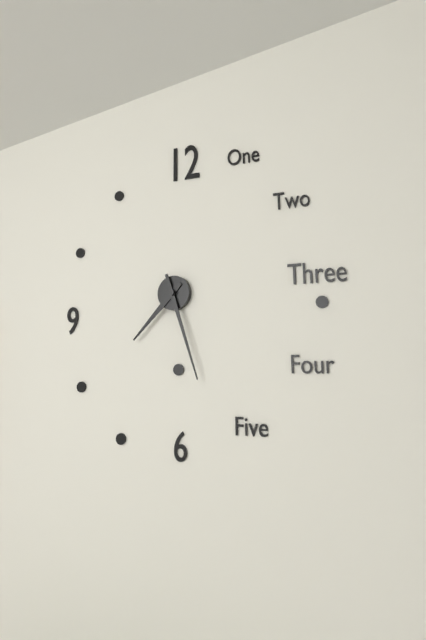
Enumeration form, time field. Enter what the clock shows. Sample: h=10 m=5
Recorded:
h=7 m=27
